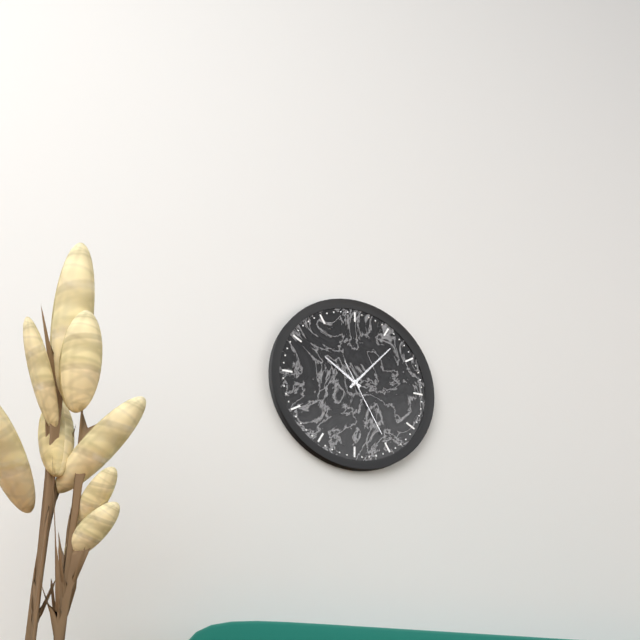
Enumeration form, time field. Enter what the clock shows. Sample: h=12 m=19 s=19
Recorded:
h=10 m=7 s=25
